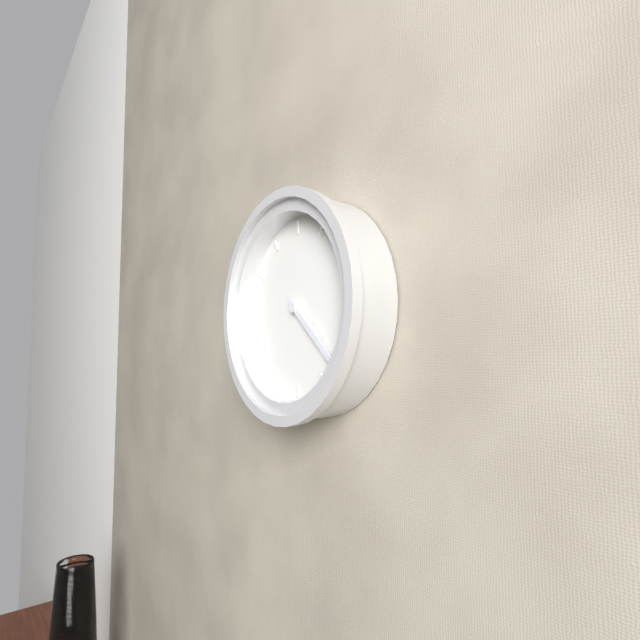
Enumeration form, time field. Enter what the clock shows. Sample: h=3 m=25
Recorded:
h=4 m=22
